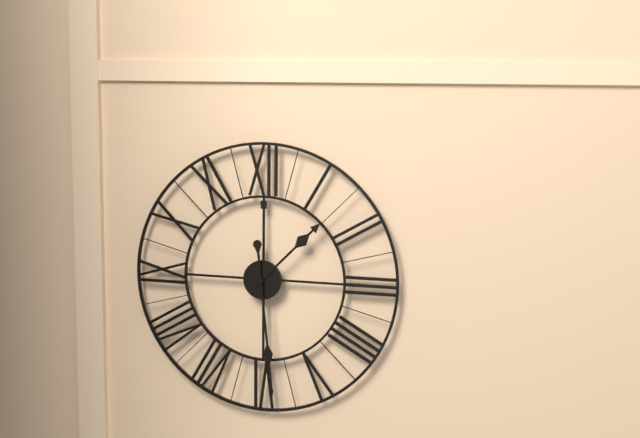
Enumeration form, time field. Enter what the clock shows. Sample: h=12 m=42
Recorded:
h=1 m=29
